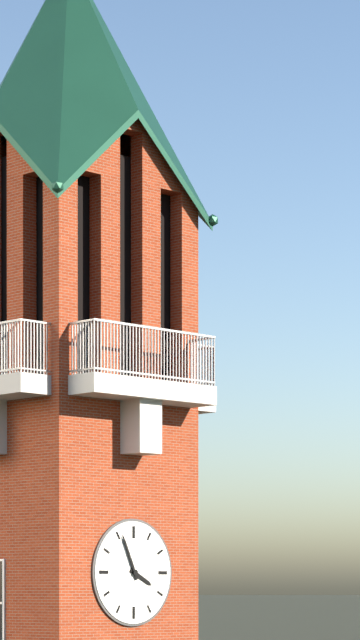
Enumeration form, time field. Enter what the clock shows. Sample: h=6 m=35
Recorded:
h=3 m=56
